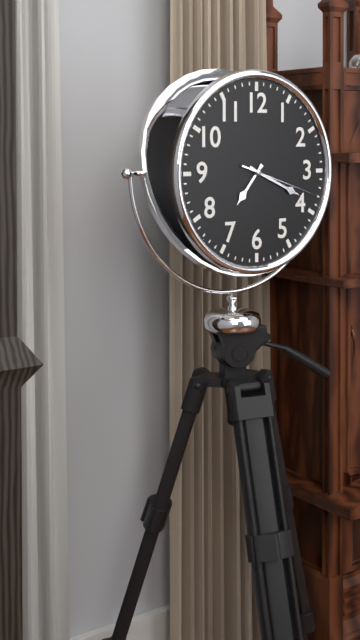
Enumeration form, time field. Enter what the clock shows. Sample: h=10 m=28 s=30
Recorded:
h=7 m=19 s=18
